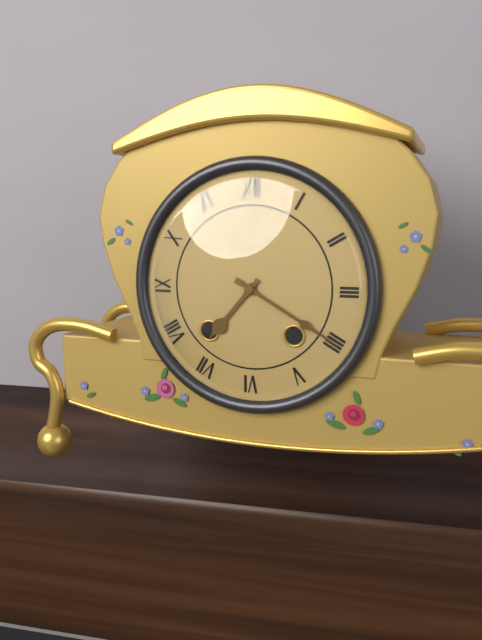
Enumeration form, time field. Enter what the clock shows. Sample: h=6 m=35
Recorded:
h=7 m=20
